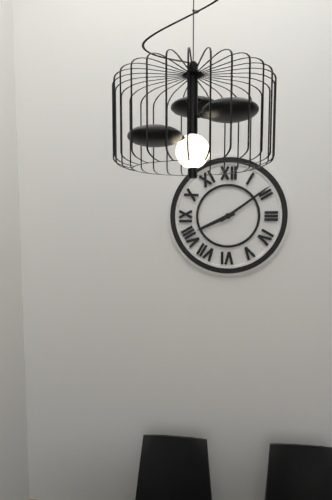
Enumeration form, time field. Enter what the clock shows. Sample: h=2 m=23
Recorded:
h=8 m=9
